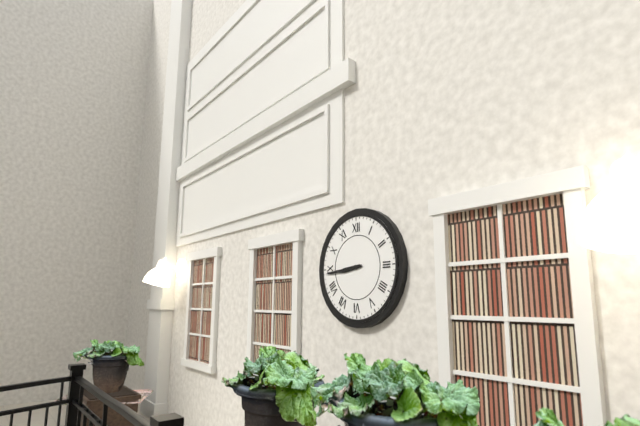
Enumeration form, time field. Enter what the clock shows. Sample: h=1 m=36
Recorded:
h=8 m=44
